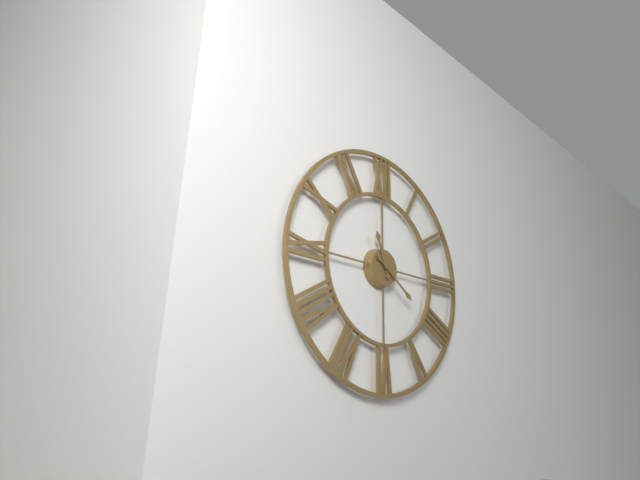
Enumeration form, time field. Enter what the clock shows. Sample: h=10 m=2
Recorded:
h=11 m=21
